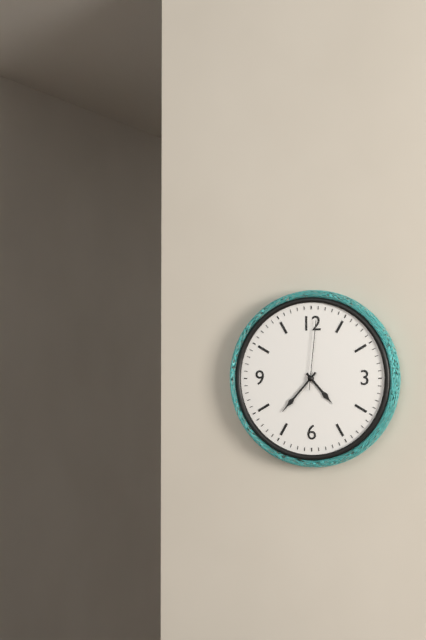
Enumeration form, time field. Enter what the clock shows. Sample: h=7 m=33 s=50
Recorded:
h=4 m=37 s=1
